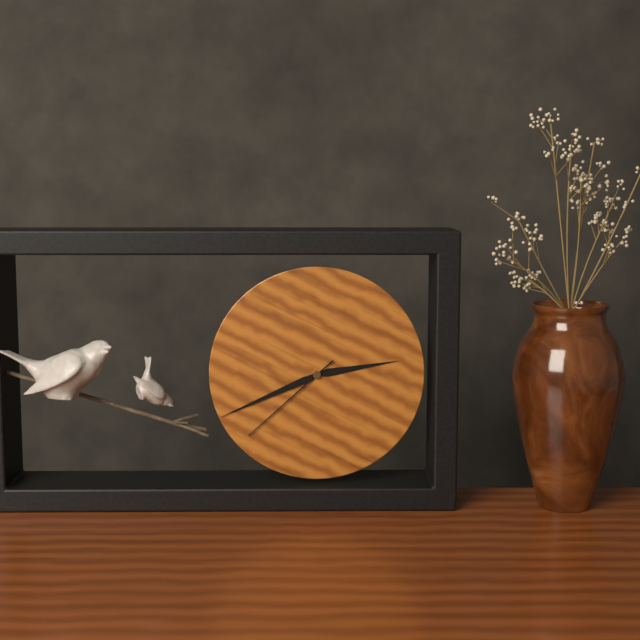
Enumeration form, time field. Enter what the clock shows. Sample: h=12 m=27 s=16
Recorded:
h=2 m=41 s=38
